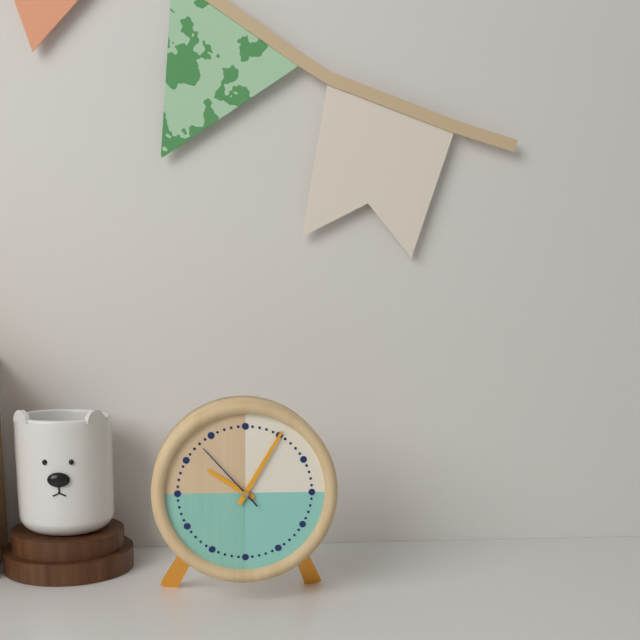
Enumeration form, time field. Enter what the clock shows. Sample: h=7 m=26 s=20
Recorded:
h=10 m=5 s=53
